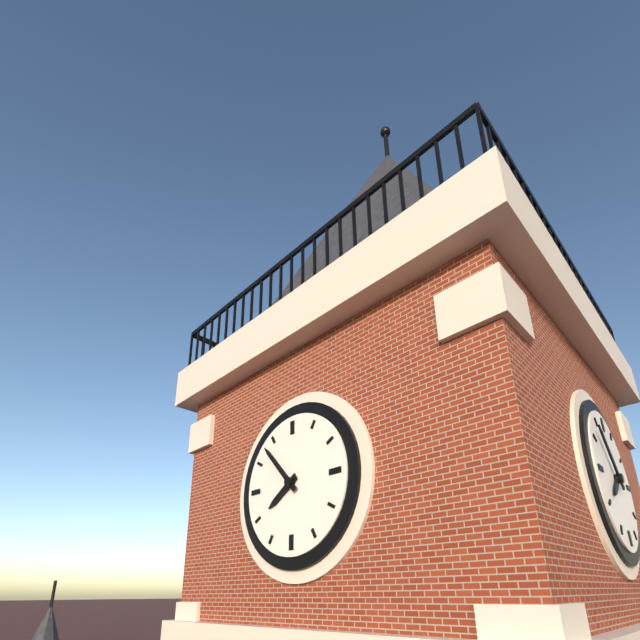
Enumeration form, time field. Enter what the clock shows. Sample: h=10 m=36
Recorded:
h=7 m=53
